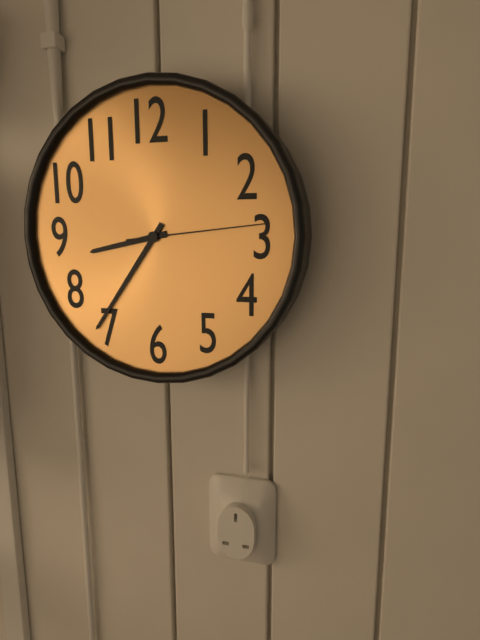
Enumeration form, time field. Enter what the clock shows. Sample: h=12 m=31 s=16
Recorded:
h=8 m=36 s=14
